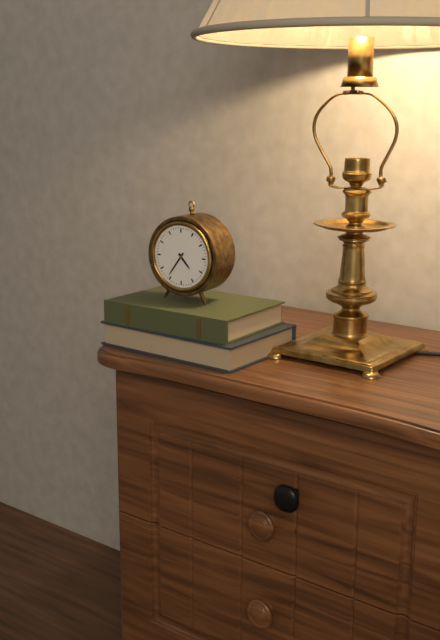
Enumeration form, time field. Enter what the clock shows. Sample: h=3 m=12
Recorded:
h=4 m=36
